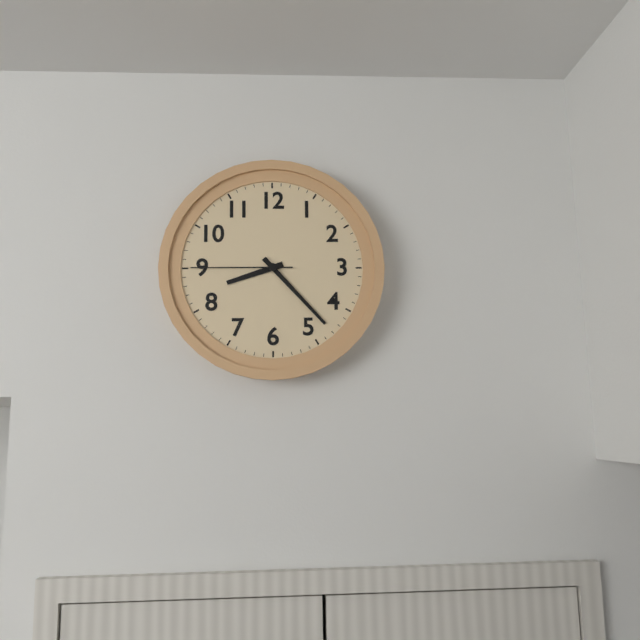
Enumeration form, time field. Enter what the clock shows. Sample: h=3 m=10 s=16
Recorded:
h=8 m=23 s=45
